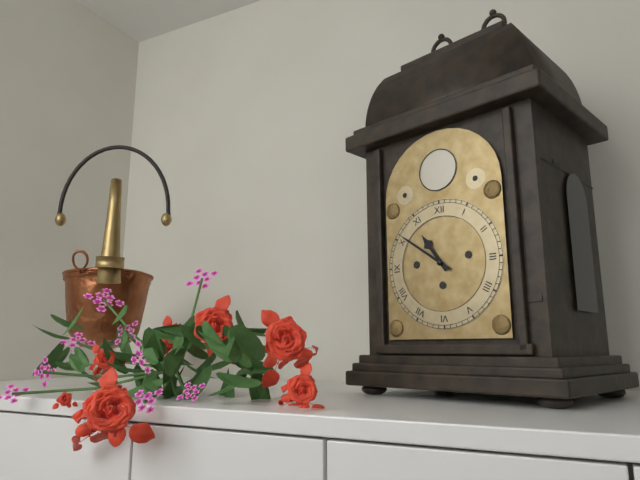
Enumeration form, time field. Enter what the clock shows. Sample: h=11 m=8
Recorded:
h=10 m=51
